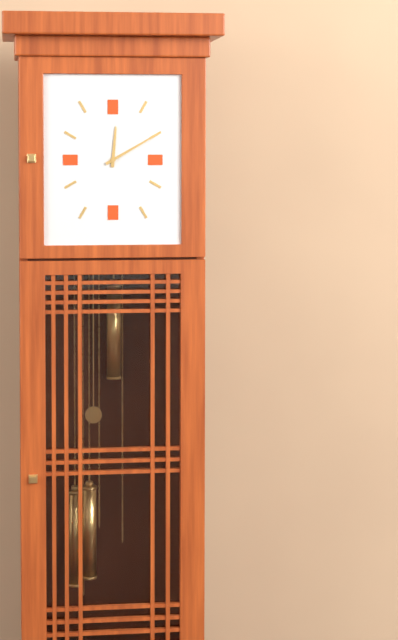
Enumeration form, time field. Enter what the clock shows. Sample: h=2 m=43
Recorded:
h=12 m=10
